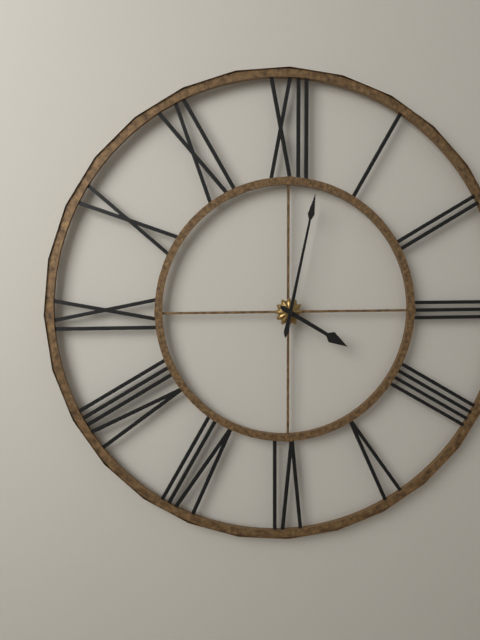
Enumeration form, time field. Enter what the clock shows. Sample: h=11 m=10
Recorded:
h=4 m=2
